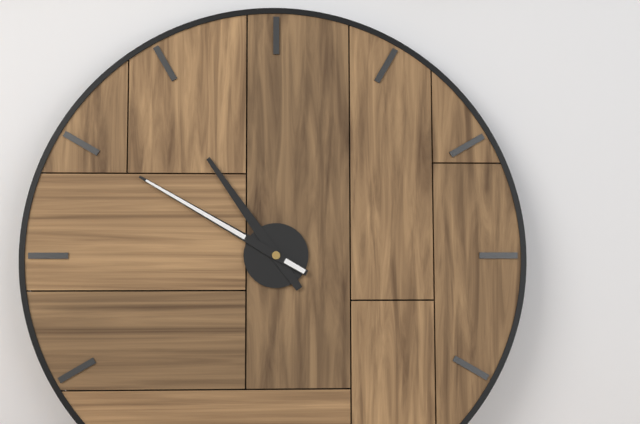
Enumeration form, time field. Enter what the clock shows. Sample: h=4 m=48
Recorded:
h=10 m=50
